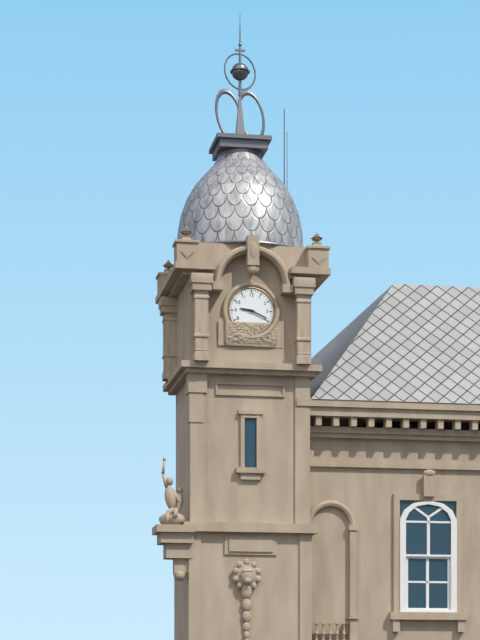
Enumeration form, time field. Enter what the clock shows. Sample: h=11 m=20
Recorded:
h=9 m=19
